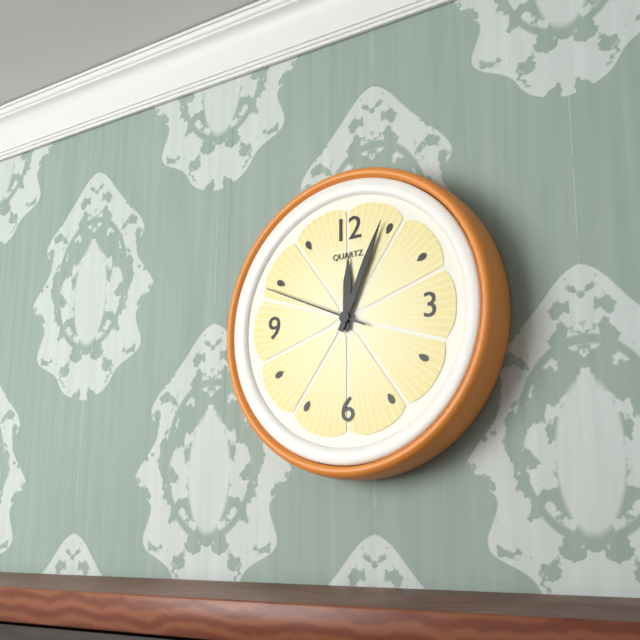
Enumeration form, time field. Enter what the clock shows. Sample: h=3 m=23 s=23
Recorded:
h=12 m=4 s=49
